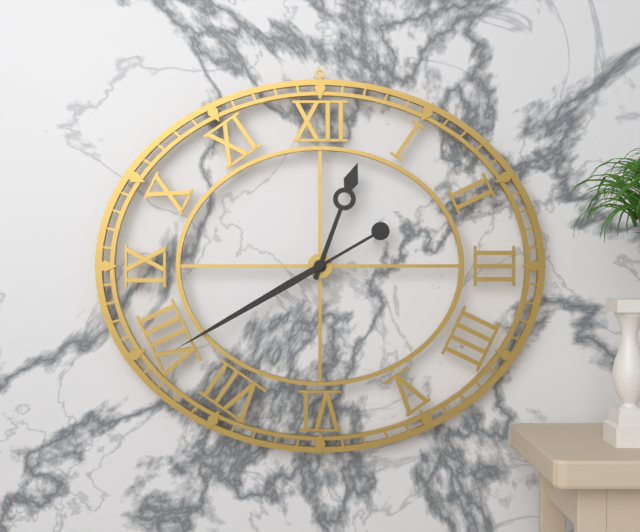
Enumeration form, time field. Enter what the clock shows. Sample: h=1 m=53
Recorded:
h=12 m=40
